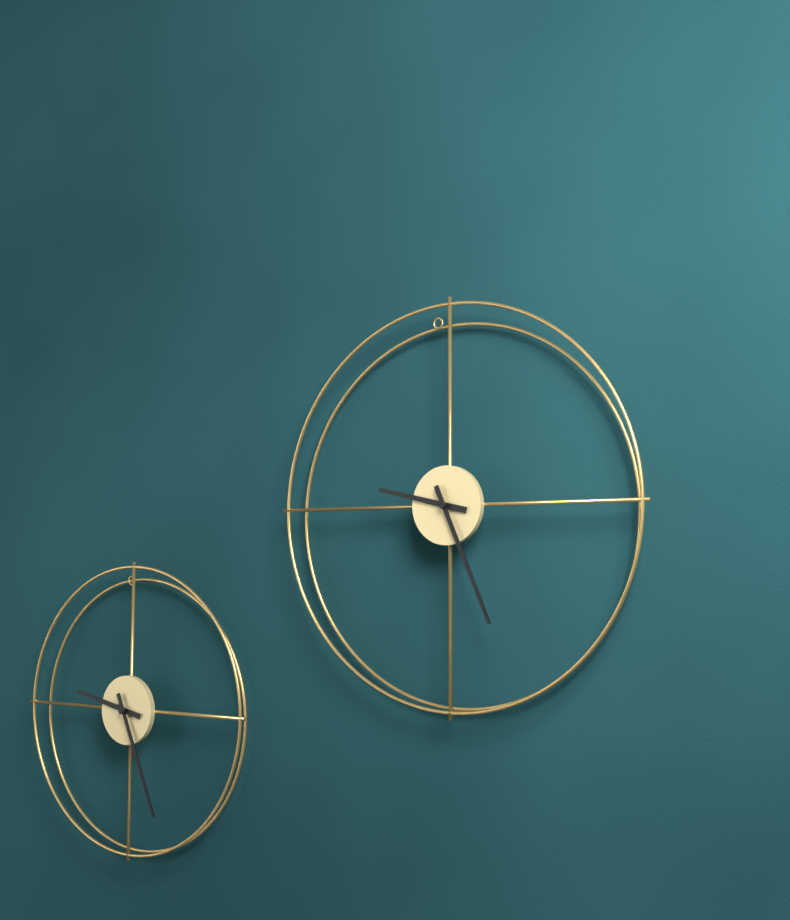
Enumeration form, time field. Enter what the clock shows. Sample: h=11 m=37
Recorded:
h=9 m=26
